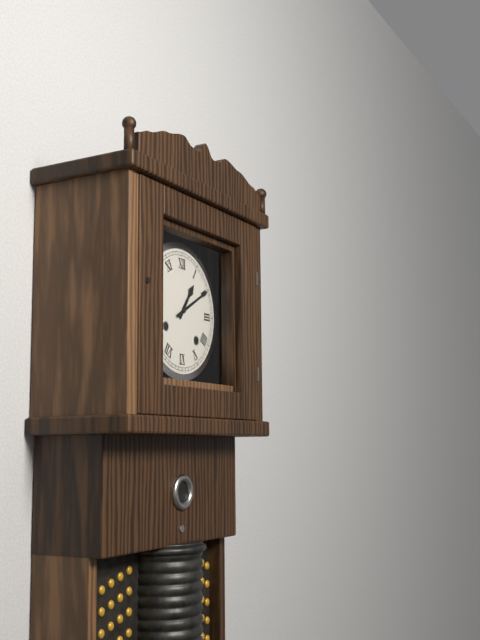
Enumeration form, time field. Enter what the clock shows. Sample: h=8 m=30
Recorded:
h=1 m=10
